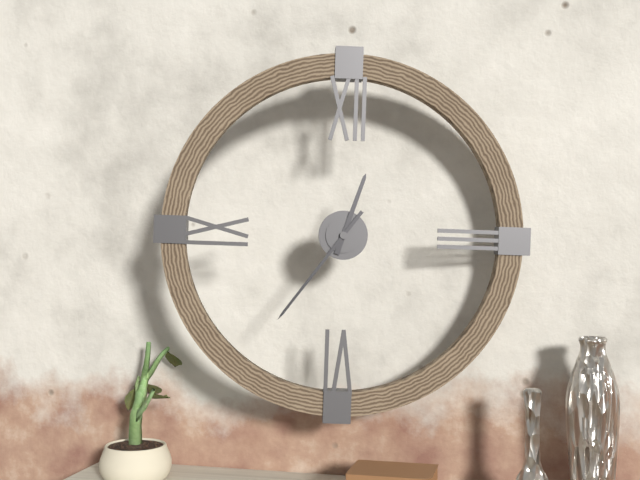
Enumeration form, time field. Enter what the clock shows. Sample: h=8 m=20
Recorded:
h=12 m=36
